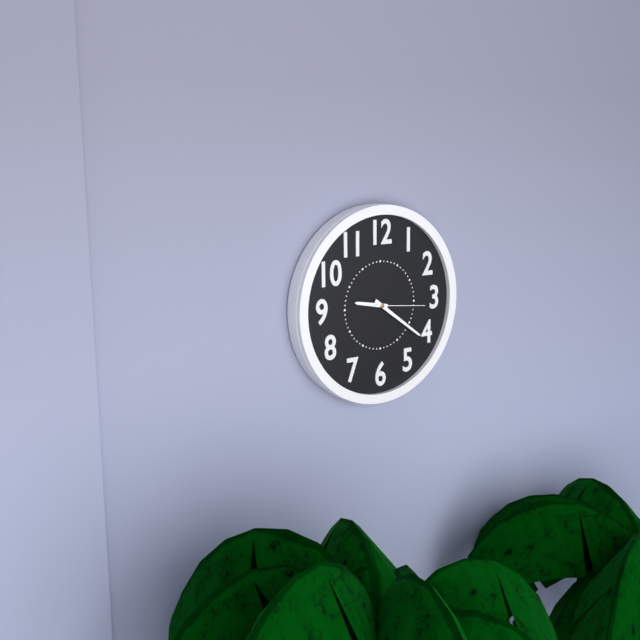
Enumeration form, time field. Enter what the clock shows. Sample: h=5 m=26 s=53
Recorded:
h=9 m=21 s=16
